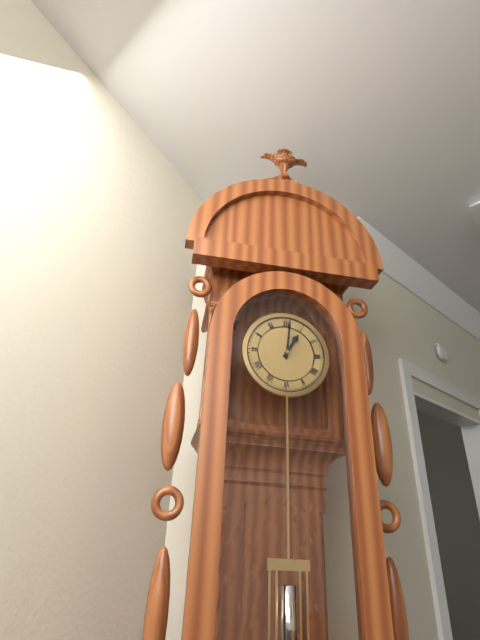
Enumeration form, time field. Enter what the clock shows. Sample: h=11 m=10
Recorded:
h=1 m=1
